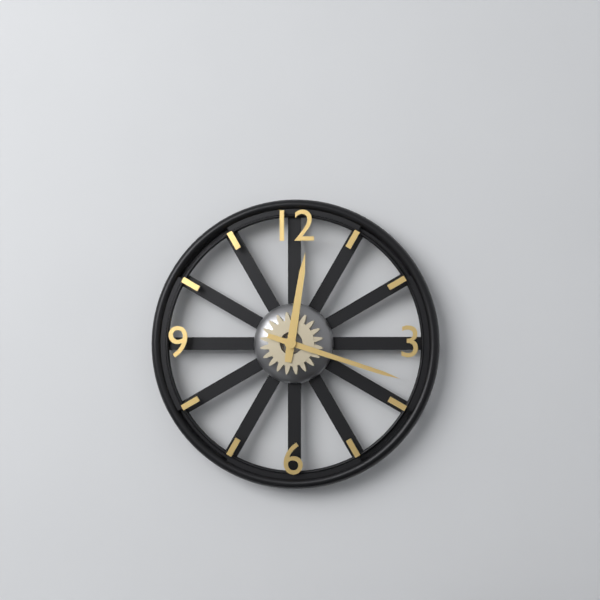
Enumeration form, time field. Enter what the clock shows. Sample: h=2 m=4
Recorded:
h=12 m=18
